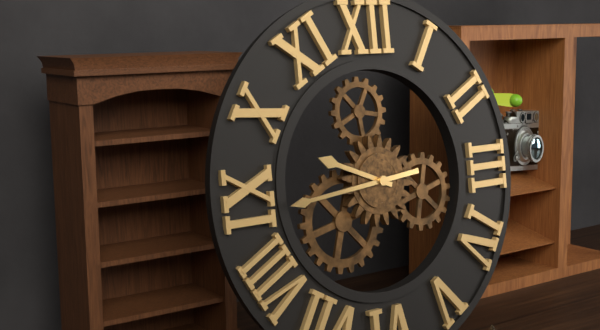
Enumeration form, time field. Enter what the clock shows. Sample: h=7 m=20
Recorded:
h=9 m=44
